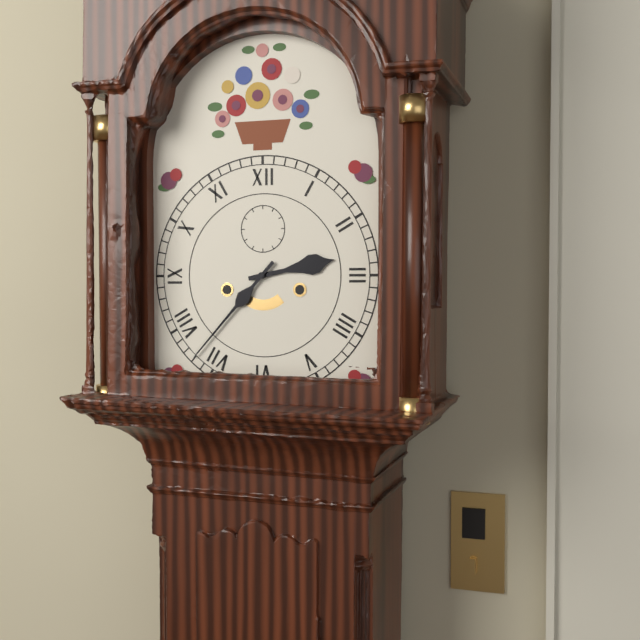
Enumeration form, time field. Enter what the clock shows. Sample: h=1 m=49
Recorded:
h=2 m=37
